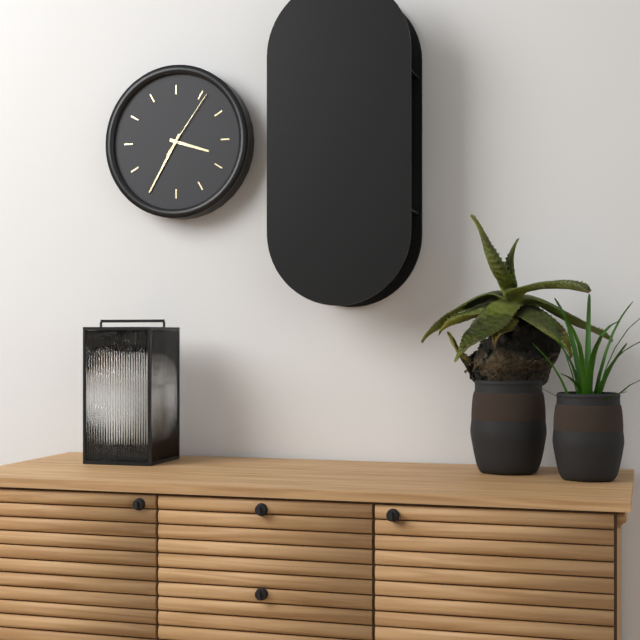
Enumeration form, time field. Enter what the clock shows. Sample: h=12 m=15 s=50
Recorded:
h=3 m=35 s=6
